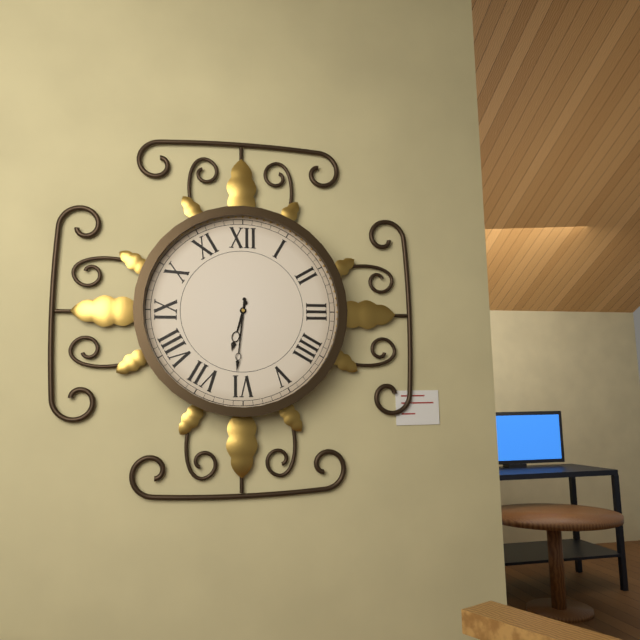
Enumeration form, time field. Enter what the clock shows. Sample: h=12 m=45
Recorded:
h=6 m=31
